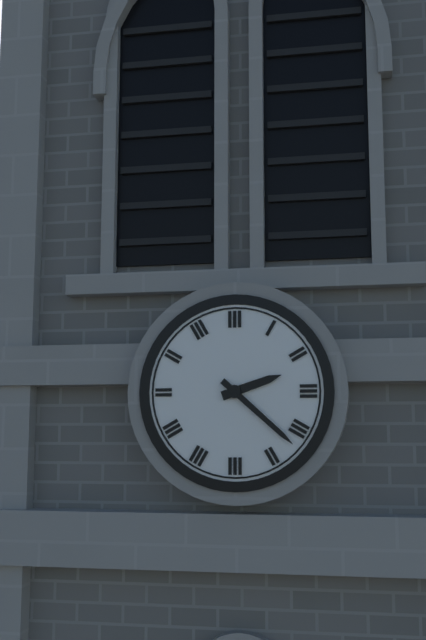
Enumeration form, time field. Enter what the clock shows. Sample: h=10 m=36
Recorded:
h=2 m=22
